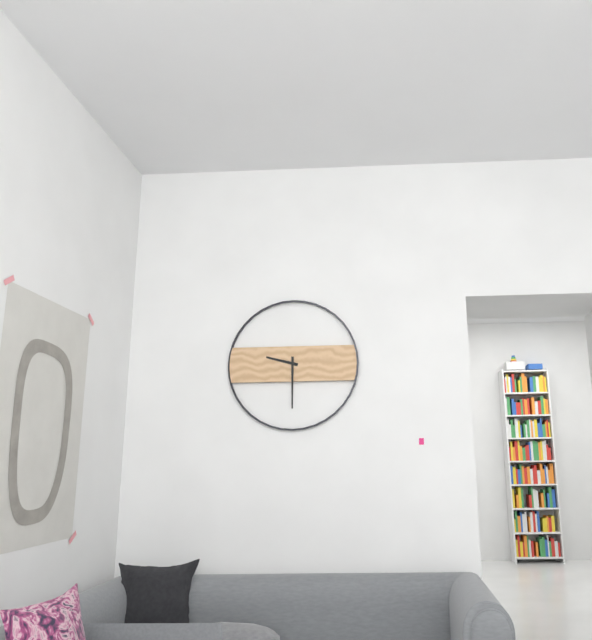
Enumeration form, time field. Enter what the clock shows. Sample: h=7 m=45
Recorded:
h=9 m=30
